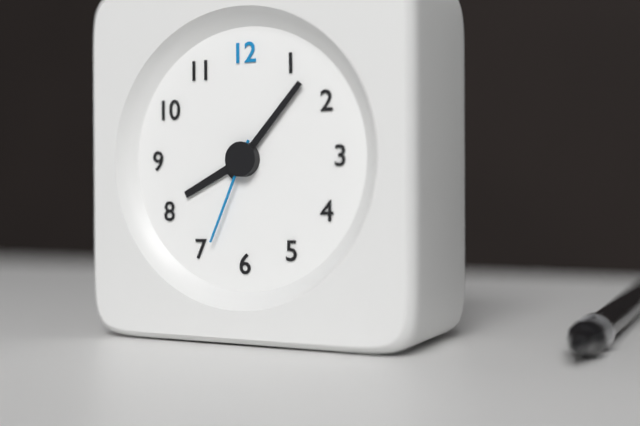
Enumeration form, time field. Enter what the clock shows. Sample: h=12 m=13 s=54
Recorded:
h=8 m=7 s=34
